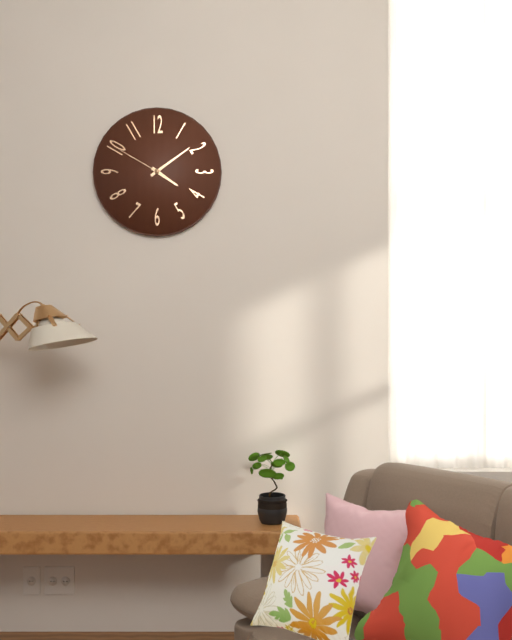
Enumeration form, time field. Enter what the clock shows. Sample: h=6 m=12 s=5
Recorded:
h=4 m=9 s=50
